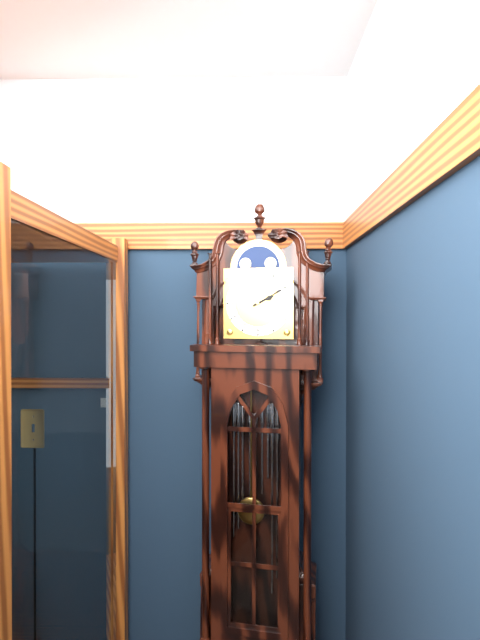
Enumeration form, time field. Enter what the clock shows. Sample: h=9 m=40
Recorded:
h=2 m=10
